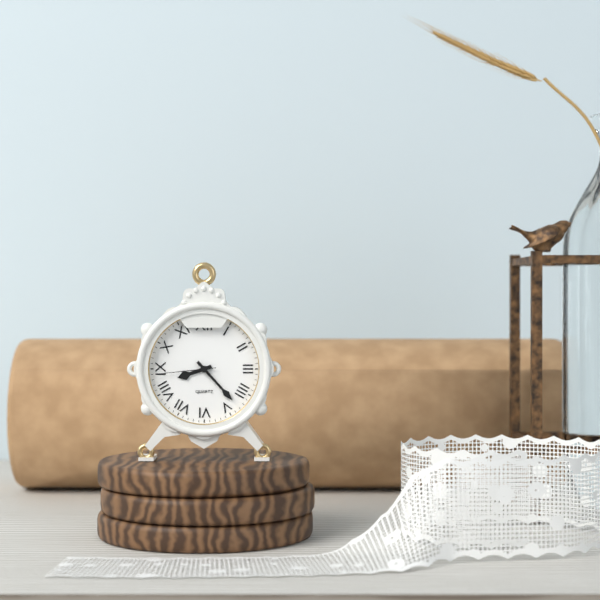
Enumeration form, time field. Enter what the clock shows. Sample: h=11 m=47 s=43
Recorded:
h=8 m=23 s=44
